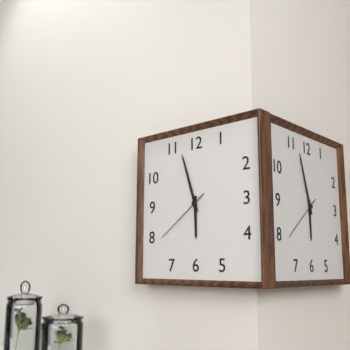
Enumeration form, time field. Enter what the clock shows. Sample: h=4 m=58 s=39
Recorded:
h=5 m=57 s=39
